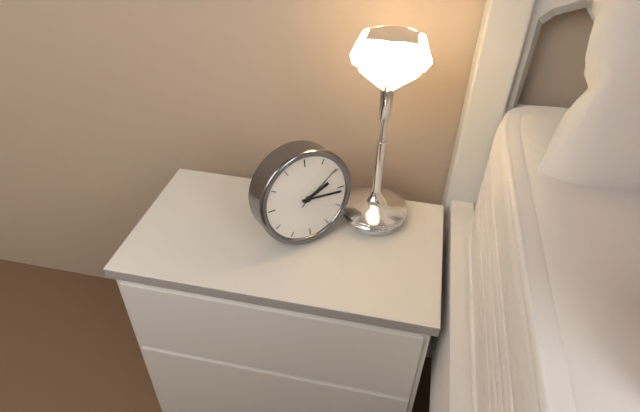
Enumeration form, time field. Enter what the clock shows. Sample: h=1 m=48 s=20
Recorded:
h=2 m=16 s=9
